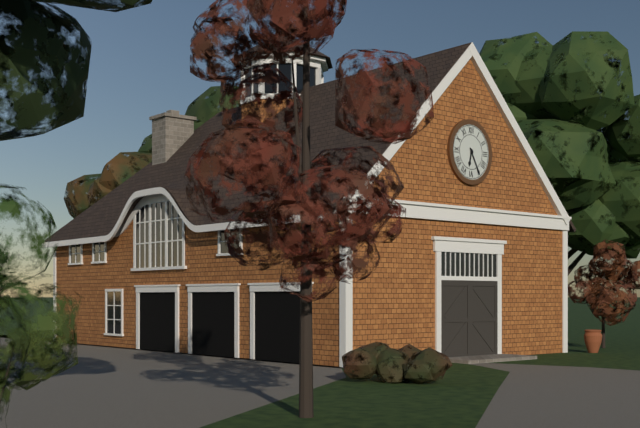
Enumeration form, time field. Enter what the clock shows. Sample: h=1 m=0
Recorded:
h=6 m=25
